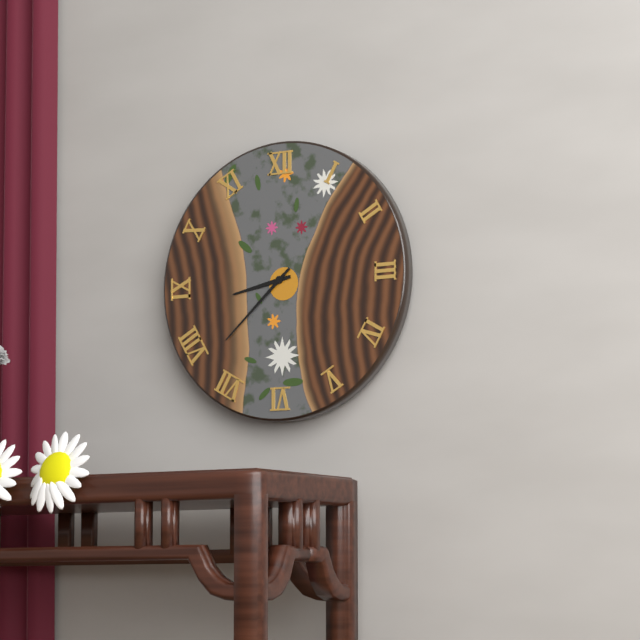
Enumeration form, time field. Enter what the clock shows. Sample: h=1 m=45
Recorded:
h=8 m=38
